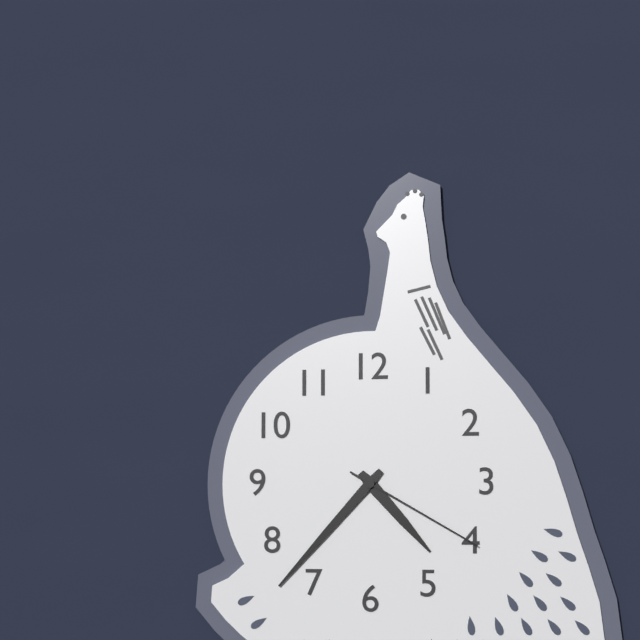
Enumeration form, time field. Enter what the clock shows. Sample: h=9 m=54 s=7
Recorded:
h=4 m=37 s=20
